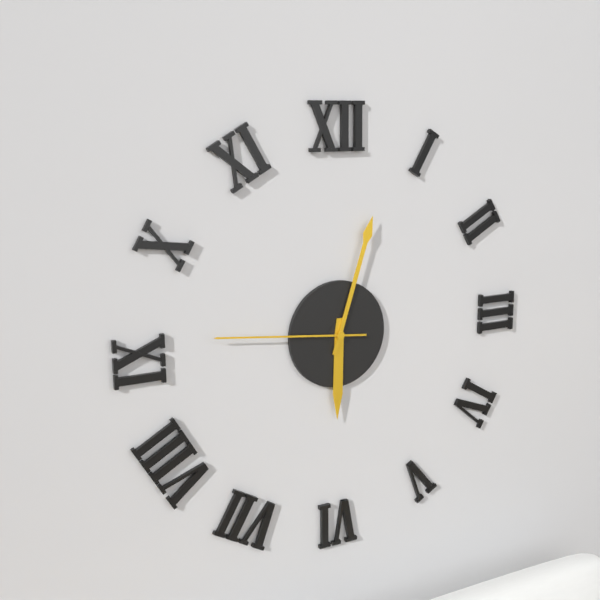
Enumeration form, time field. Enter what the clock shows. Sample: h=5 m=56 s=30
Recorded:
h=6 m=3 s=46
